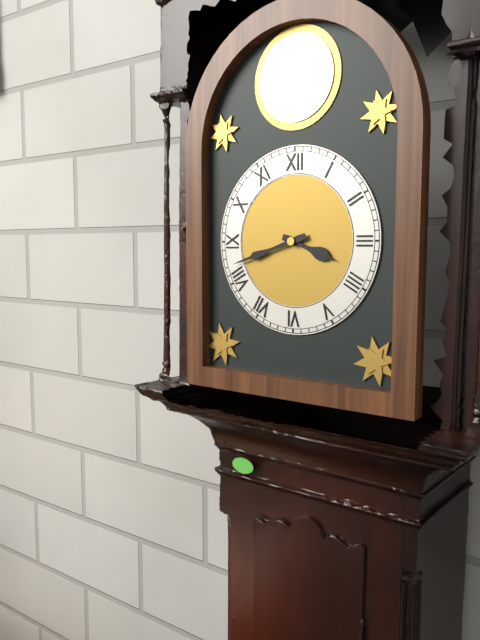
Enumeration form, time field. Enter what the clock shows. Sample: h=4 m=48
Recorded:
h=3 m=42
